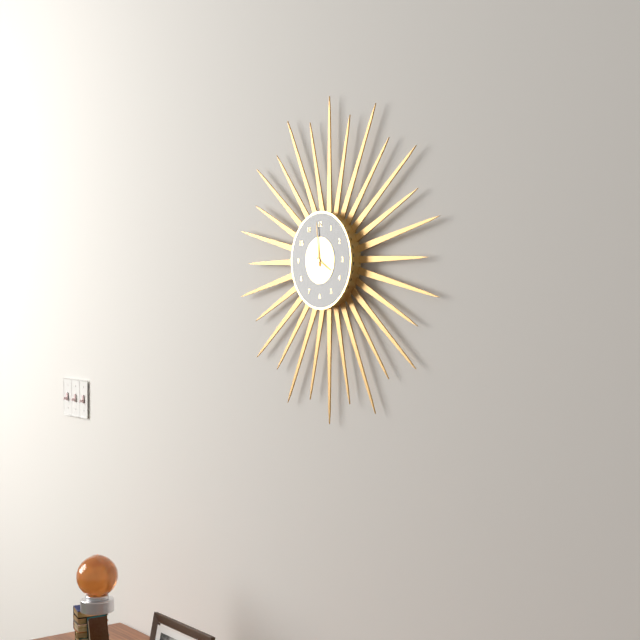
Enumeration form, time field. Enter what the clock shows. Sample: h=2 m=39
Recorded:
h=3 m=59
